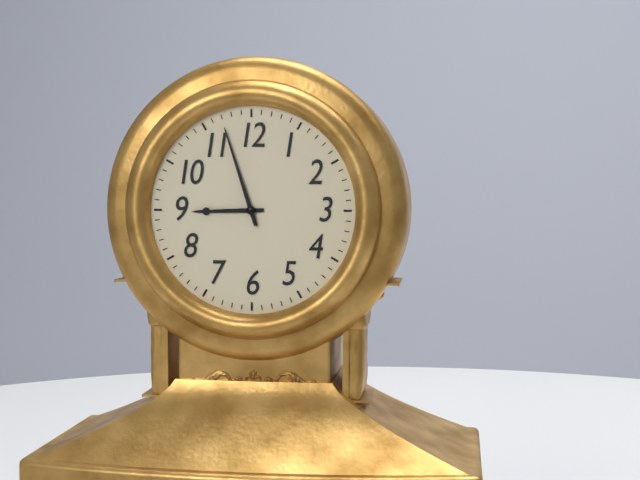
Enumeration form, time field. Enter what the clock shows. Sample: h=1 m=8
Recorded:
h=8 m=57
